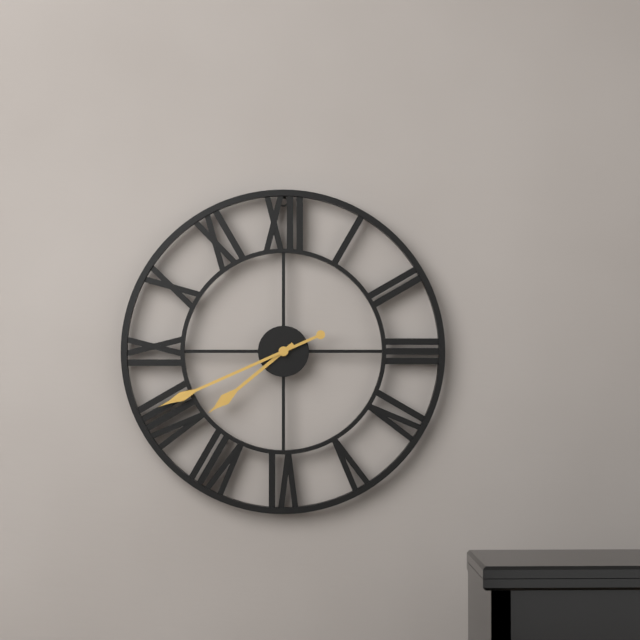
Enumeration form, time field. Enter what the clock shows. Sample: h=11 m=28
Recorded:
h=7 m=41
